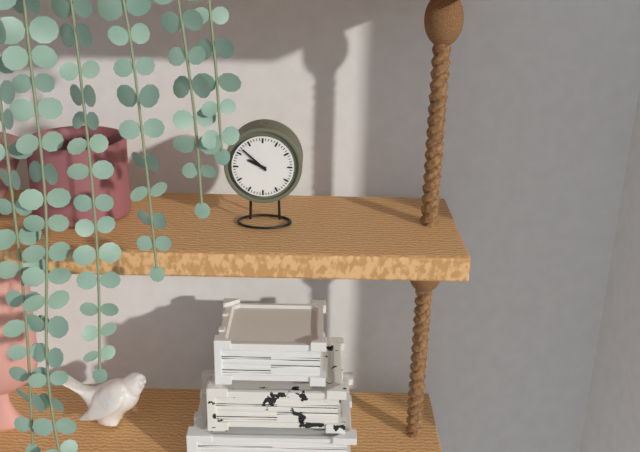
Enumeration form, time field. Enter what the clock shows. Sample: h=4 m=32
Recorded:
h=9 m=52
